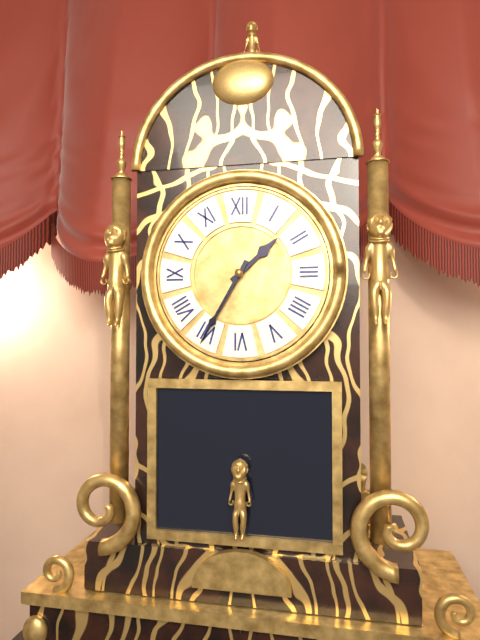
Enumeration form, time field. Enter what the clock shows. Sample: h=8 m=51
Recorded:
h=1 m=35
